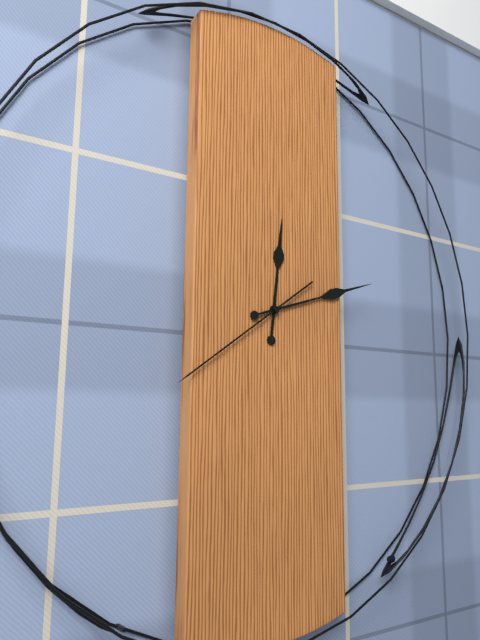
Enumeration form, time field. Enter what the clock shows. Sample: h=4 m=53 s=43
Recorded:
h=12 m=12 s=39
